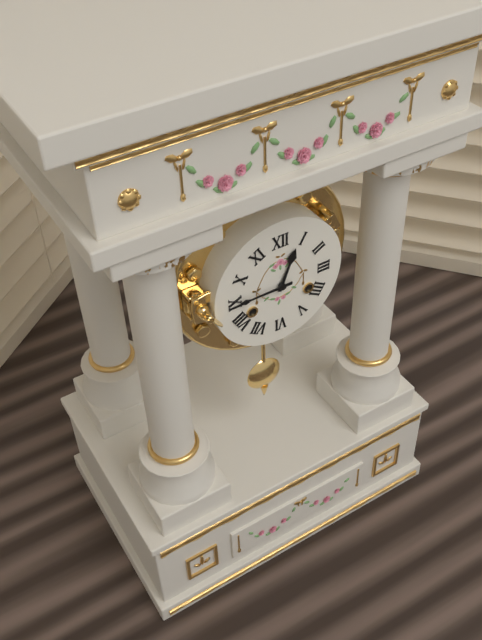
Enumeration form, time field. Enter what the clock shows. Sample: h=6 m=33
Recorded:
h=12 m=45
